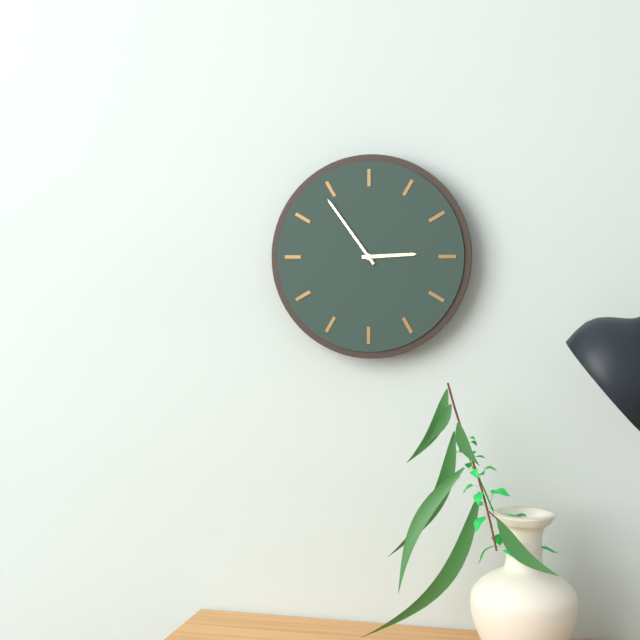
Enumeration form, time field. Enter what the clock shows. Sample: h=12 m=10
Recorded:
h=2 m=54
